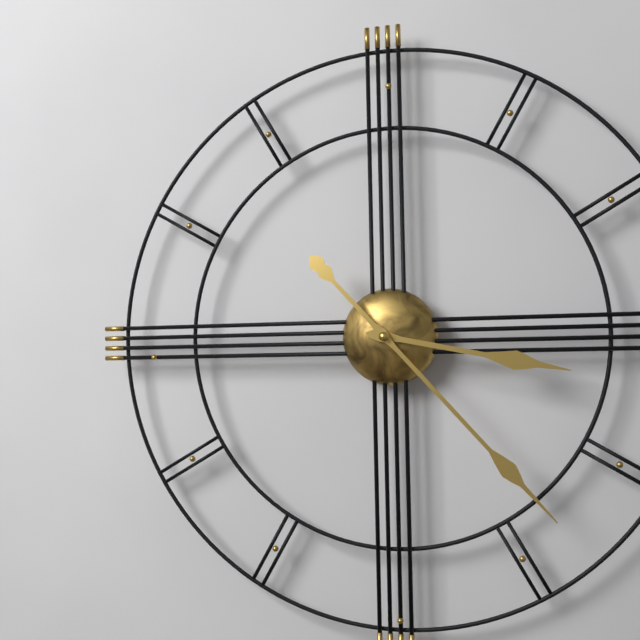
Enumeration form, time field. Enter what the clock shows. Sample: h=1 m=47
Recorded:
h=3 m=23
